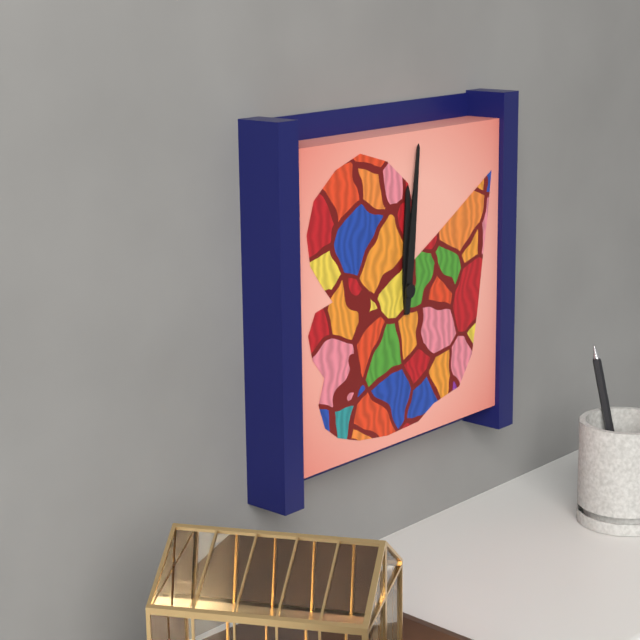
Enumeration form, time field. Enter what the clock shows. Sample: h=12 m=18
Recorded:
h=12 m=1
